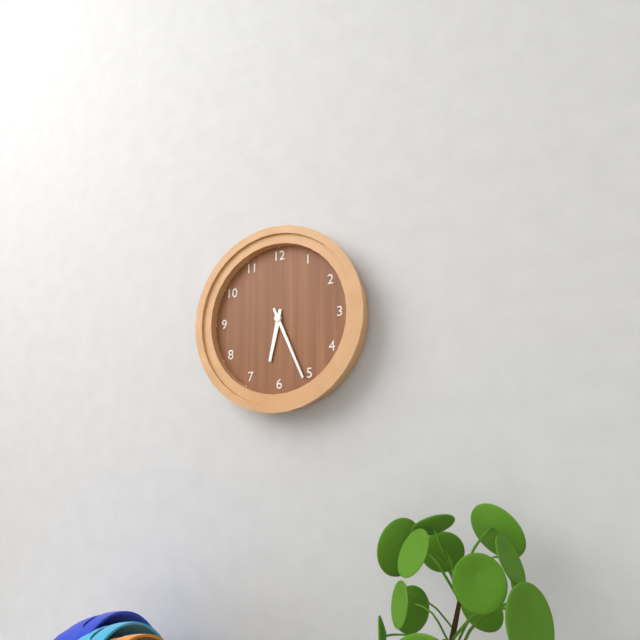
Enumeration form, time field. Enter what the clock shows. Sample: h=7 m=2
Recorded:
h=6 m=26
